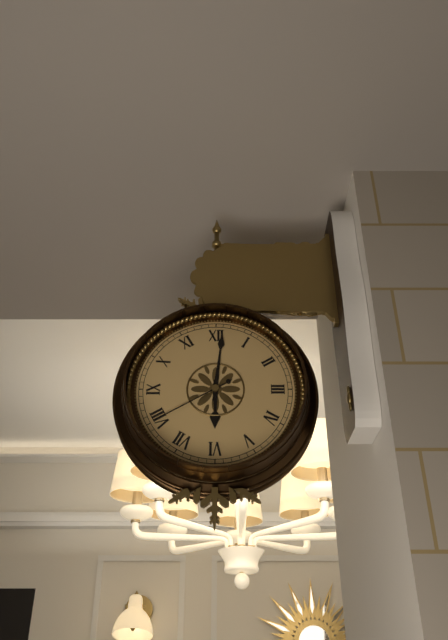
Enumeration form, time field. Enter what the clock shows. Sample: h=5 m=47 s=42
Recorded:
h=6 m=1 s=40
